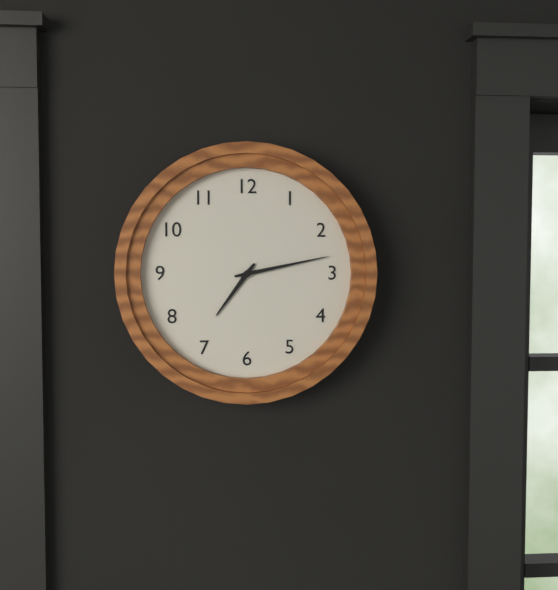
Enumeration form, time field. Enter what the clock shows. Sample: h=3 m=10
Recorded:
h=7 m=13
